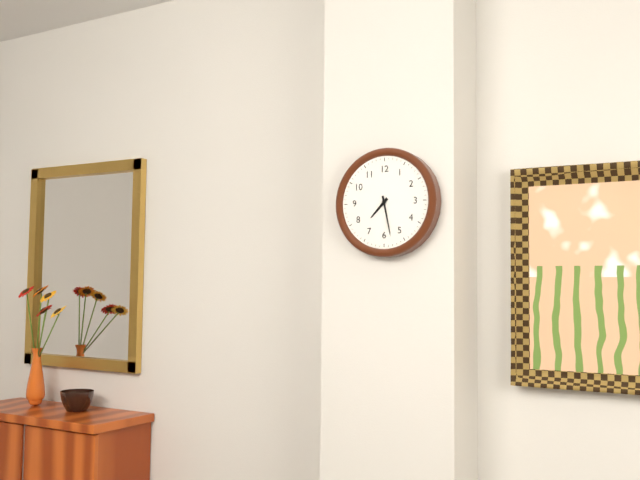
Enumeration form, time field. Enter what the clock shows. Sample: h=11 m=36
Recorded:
h=7 m=28
